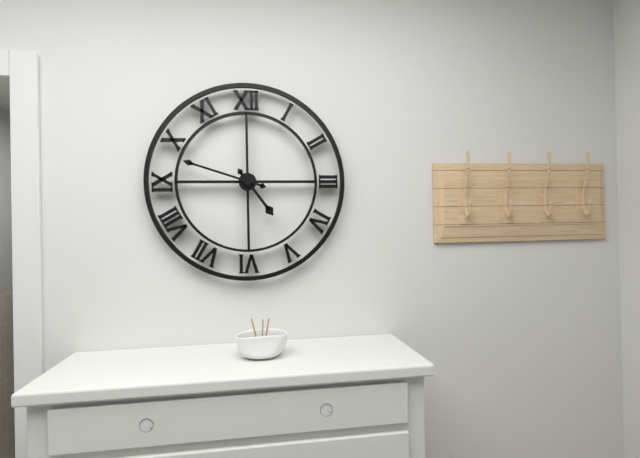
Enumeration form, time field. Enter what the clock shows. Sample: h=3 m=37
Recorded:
h=4 m=48
